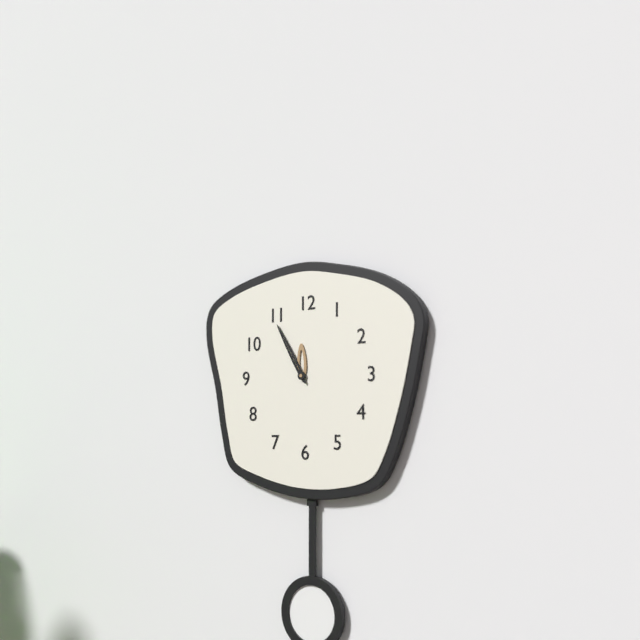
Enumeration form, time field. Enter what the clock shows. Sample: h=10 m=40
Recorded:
h=11 m=55
